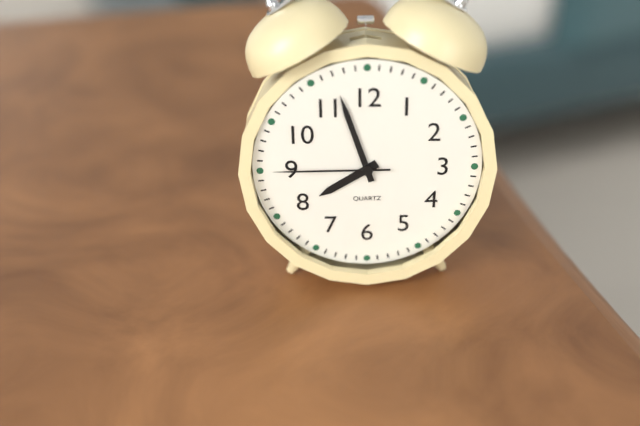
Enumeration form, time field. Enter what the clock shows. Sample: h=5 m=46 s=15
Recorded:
h=7 m=57 s=45
